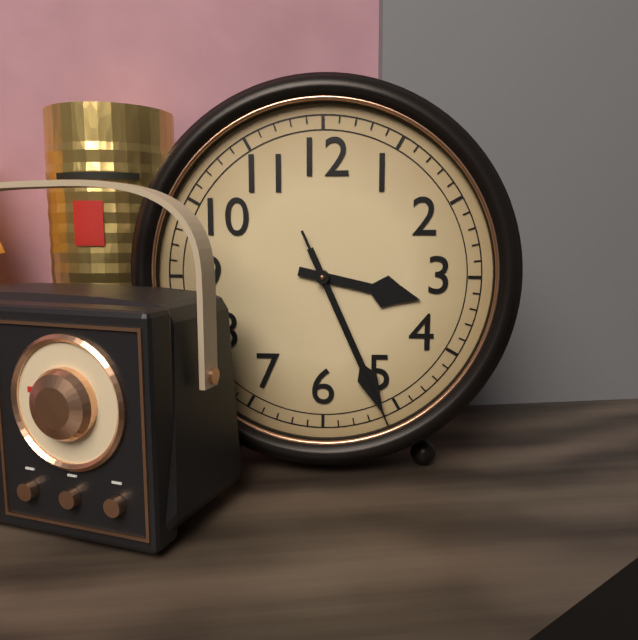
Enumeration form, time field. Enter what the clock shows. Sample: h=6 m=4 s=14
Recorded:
h=3 m=26 s=26
